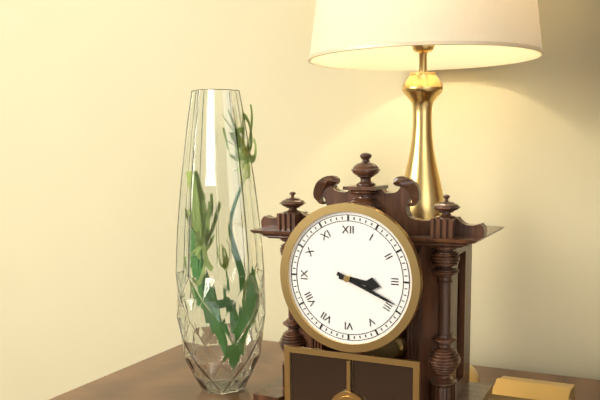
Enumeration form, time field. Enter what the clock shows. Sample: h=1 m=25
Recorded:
h=3 m=19
